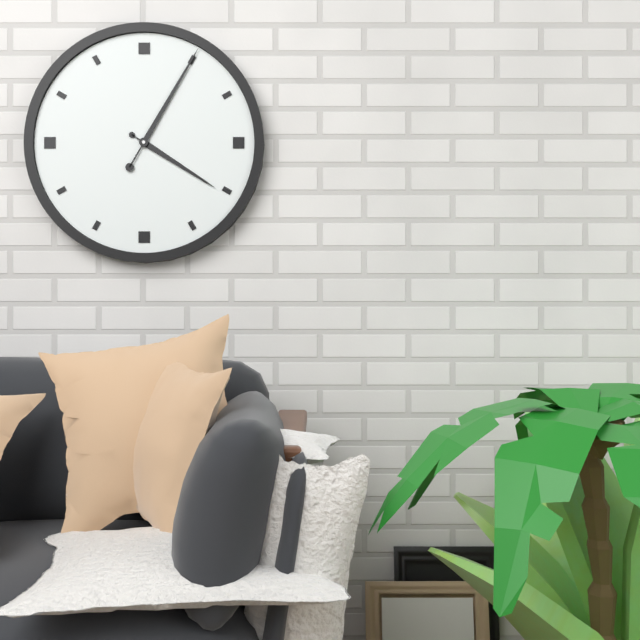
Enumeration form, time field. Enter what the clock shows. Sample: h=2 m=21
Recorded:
h=4 m=5
